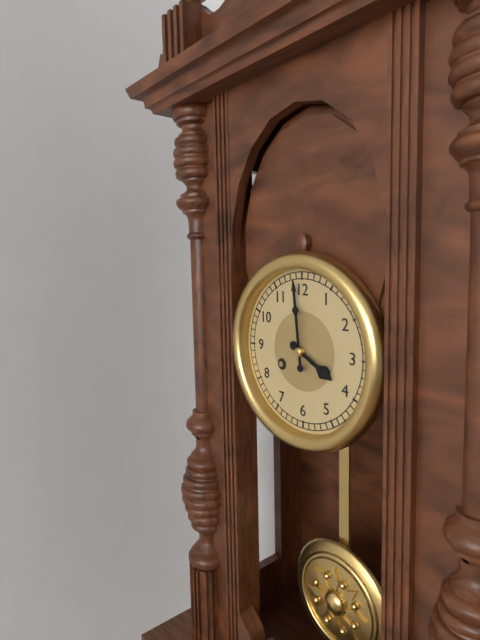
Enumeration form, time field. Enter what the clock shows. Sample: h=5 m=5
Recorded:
h=3 m=59
